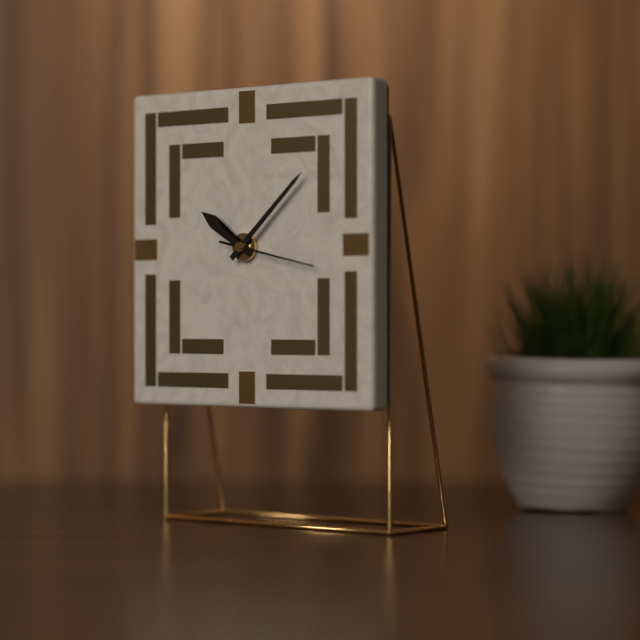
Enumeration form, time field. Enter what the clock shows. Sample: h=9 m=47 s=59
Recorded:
h=10 m=8 s=17
